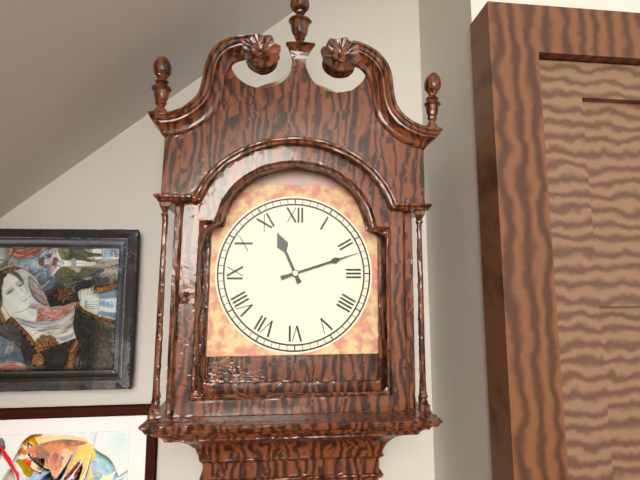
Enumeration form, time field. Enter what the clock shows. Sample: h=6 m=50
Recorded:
h=11 m=12
